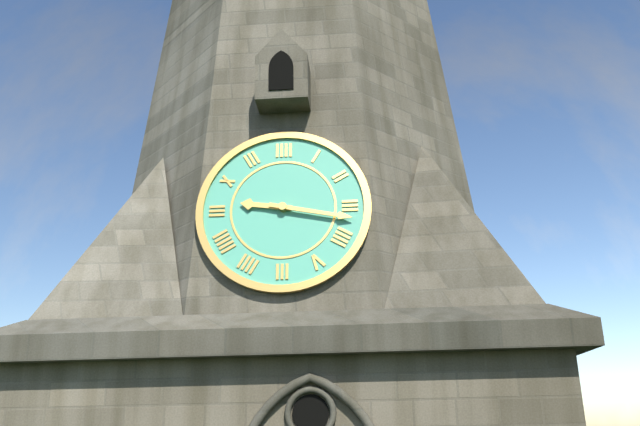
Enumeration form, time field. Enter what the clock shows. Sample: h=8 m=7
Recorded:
h=9 m=17
